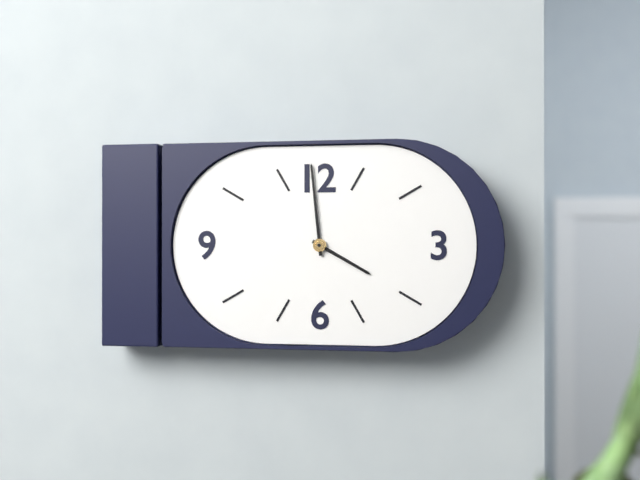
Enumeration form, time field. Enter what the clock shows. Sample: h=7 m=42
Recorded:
h=3 m=59
